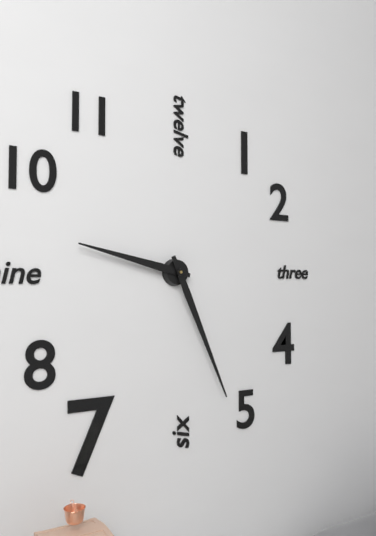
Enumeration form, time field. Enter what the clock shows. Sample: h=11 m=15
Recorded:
h=9 m=26
